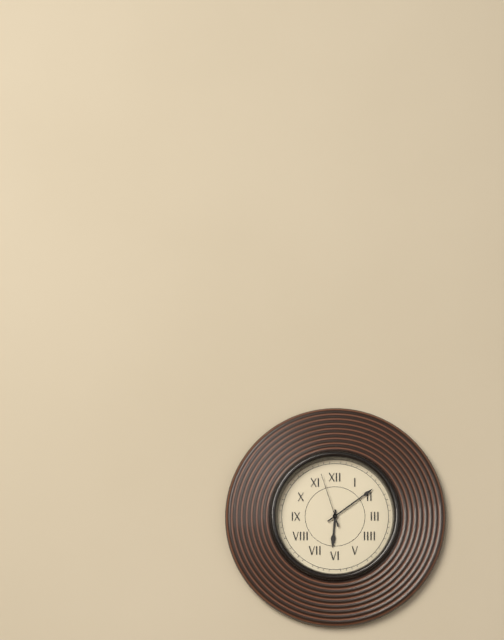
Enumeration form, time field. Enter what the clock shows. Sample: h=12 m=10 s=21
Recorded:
h=6 m=9 s=57
